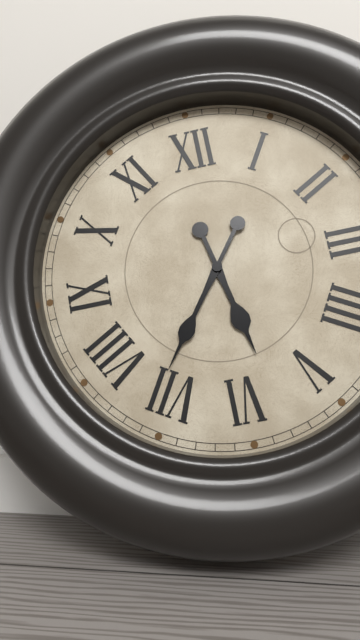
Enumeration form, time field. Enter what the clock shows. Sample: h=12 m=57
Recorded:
h=5 m=36
